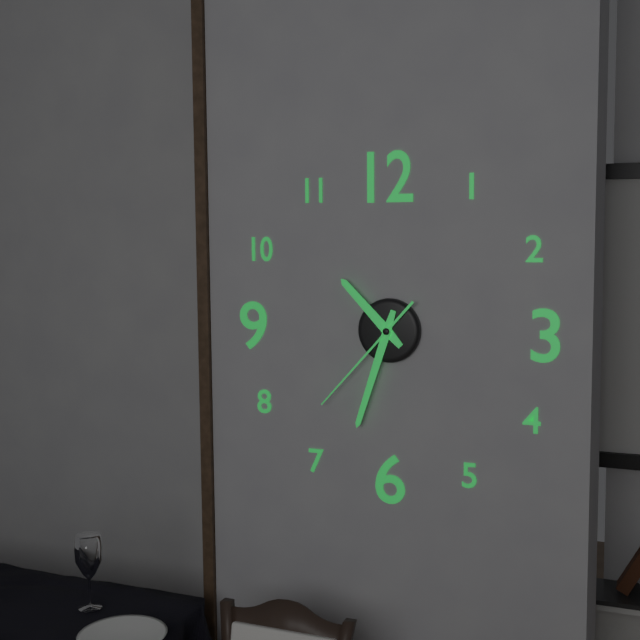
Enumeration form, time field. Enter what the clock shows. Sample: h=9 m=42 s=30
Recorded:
h=10 m=33 s=37
